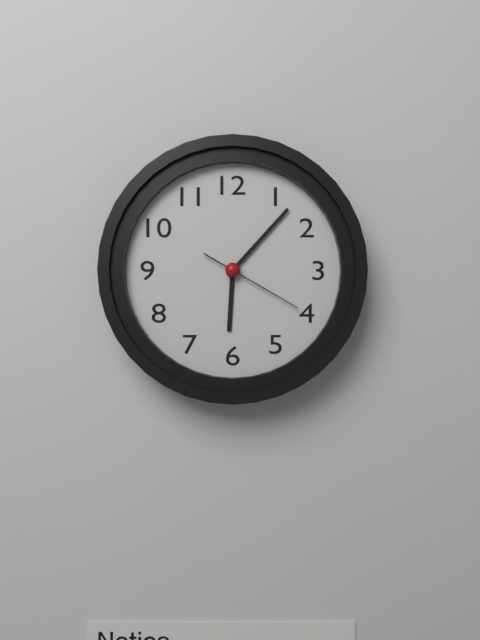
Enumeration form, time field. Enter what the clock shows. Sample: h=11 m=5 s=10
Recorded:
h=6 m=7 s=20
